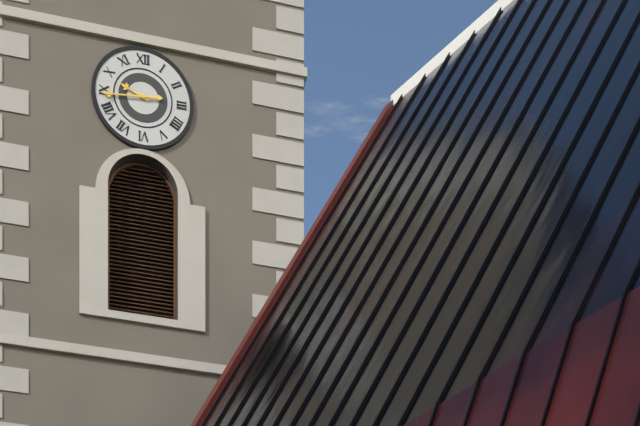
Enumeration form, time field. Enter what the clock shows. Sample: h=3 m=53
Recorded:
h=9 m=44
